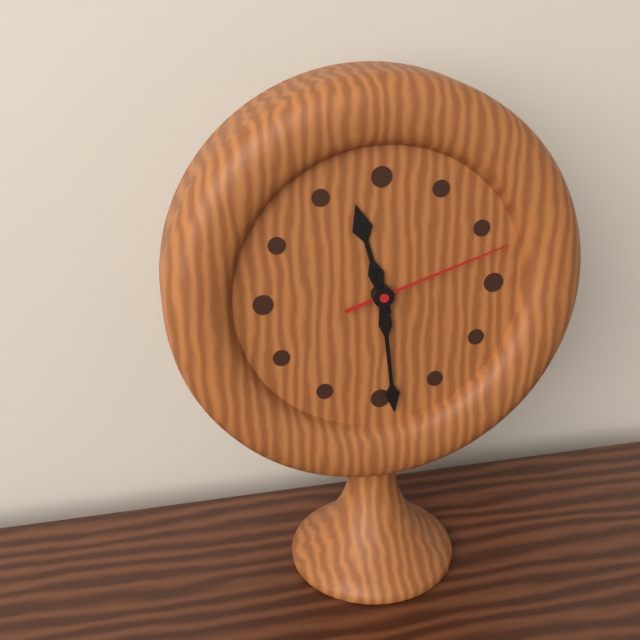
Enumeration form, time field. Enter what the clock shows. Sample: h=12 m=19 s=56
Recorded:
h=11 m=29 s=12
